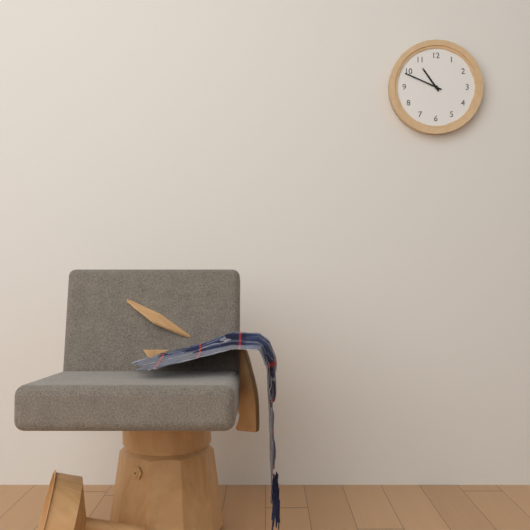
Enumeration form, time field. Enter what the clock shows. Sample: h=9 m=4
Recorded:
h=10 m=49
